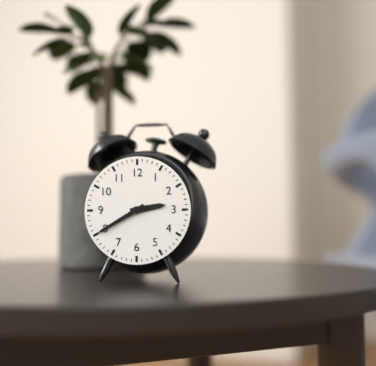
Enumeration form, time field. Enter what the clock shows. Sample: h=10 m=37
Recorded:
h=2 m=40
